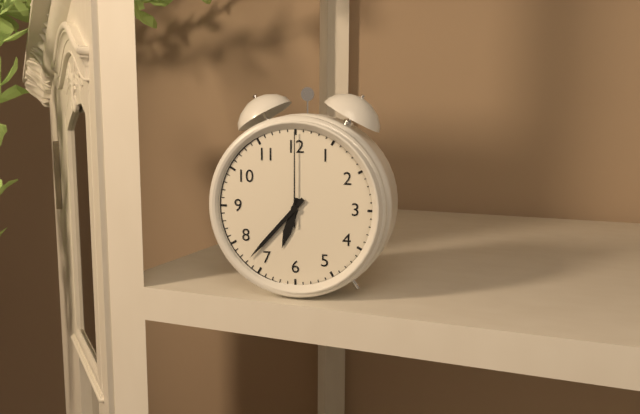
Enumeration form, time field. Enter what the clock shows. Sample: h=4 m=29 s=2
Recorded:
h=6 m=37 s=0
